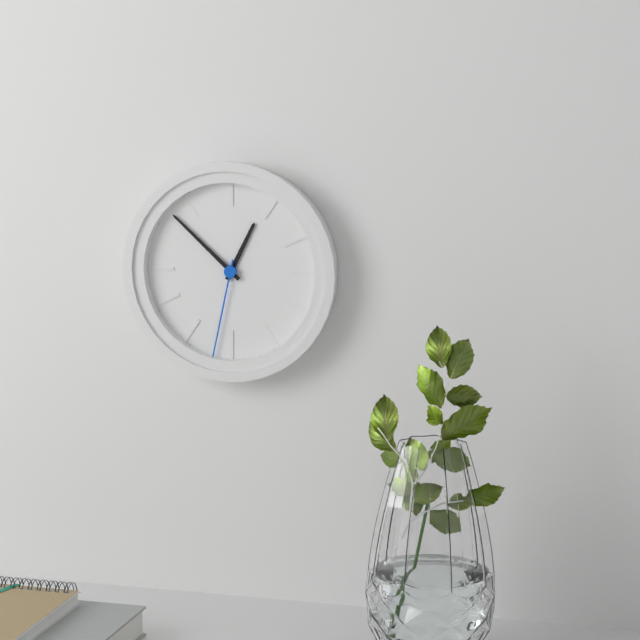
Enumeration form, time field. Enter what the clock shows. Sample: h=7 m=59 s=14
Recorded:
h=12 m=52 s=32
